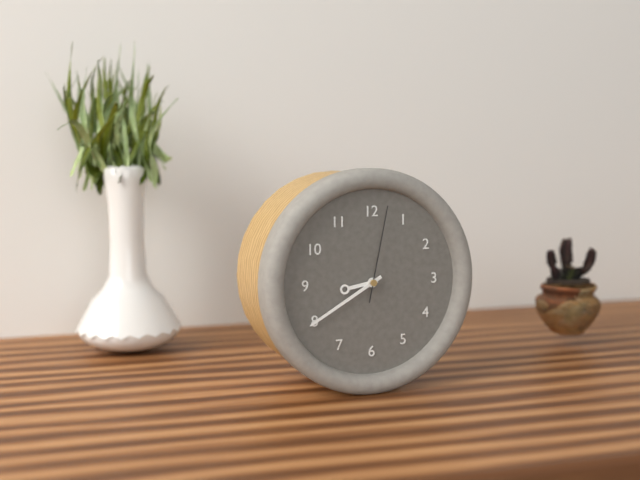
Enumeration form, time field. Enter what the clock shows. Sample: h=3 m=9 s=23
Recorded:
h=8 m=40 s=2
